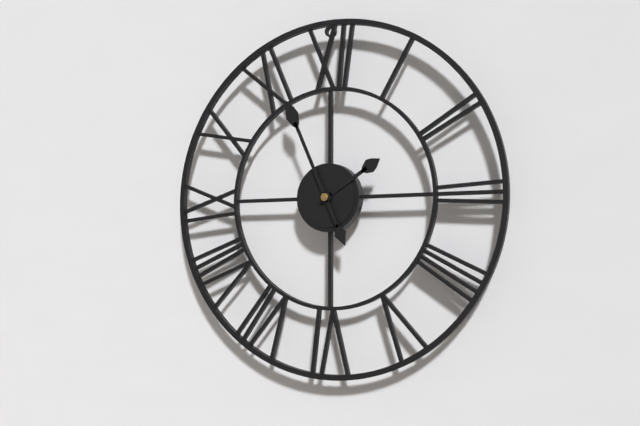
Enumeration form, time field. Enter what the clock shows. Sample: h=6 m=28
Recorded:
h=1 m=56
